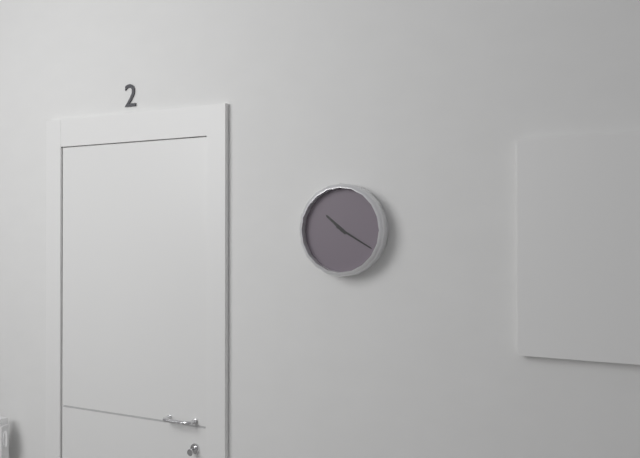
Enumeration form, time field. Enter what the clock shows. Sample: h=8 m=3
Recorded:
h=10 m=20
